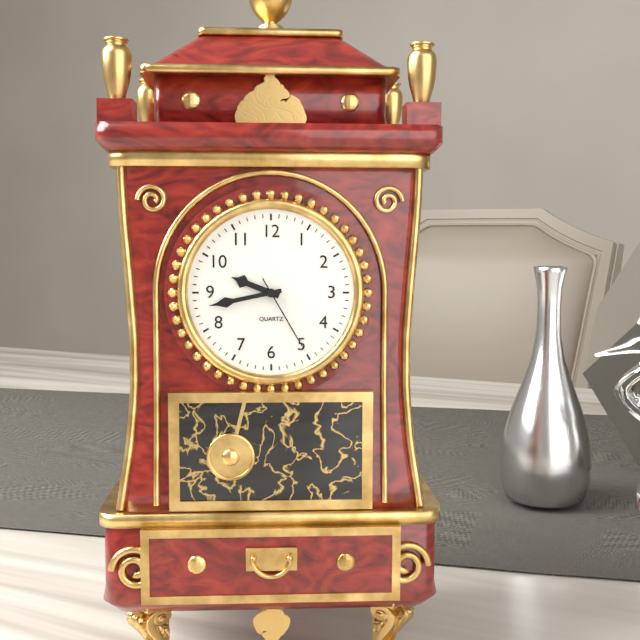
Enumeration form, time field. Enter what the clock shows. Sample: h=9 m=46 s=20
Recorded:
h=9 m=43 s=25
